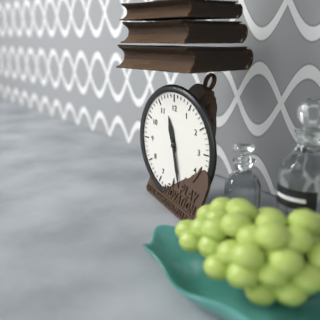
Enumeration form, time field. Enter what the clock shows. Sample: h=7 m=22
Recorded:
h=11 m=28
